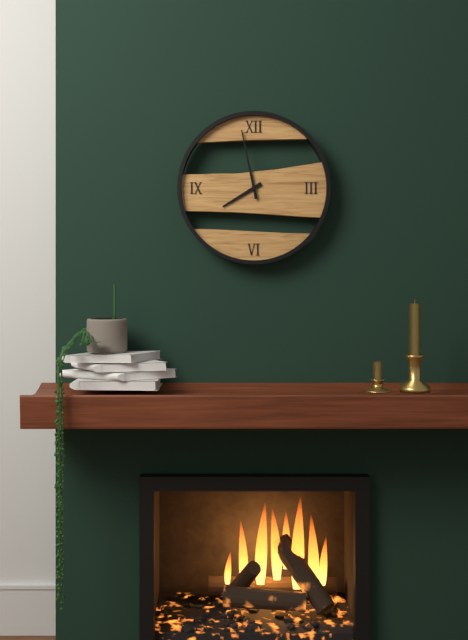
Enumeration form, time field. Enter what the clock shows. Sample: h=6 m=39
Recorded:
h=7 m=58
